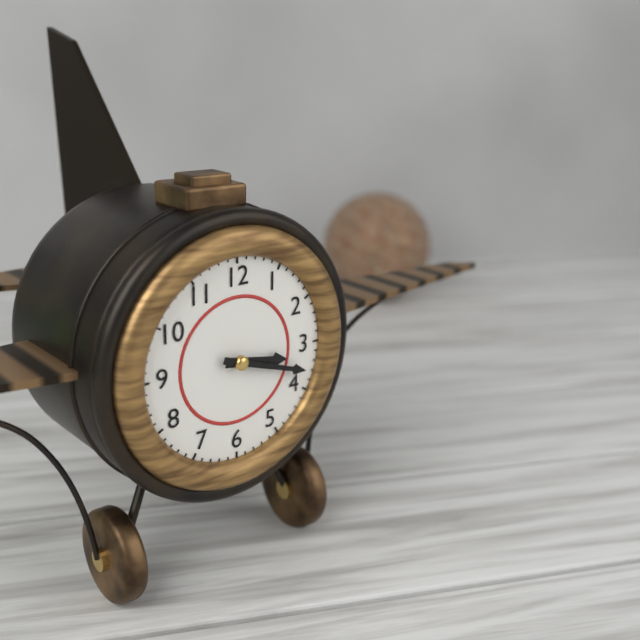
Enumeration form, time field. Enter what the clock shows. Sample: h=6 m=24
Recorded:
h=3 m=18
